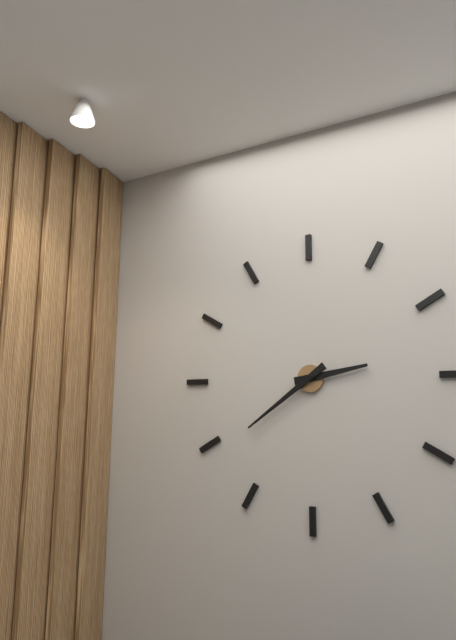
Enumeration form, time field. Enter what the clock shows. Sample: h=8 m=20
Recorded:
h=2 m=39
